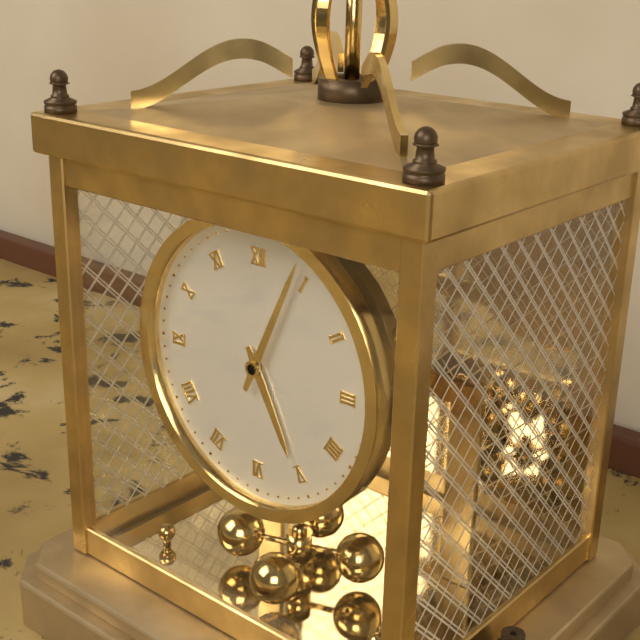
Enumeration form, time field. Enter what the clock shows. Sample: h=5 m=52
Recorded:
h=5 m=4
